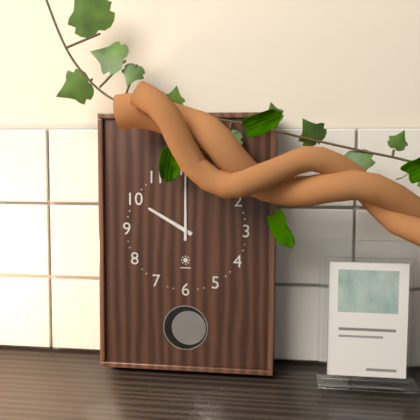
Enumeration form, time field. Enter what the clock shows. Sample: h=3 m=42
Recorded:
h=10 m=0
